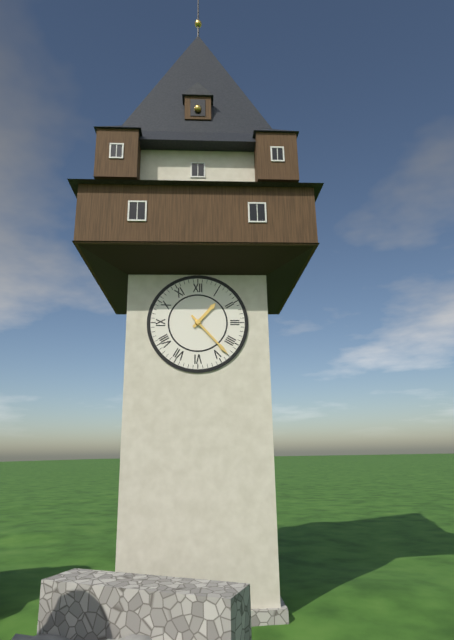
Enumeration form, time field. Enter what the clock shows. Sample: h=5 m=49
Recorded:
h=1 m=23
